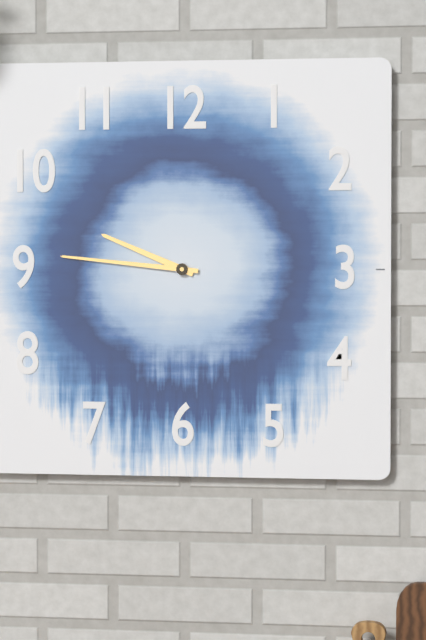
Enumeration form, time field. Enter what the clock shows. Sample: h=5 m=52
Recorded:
h=9 m=46
